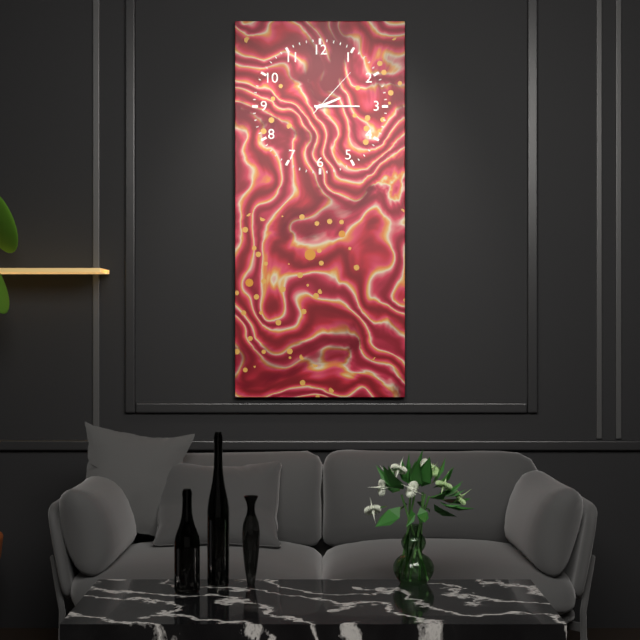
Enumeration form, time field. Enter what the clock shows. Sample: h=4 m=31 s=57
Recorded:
h=2 m=15 s=7
